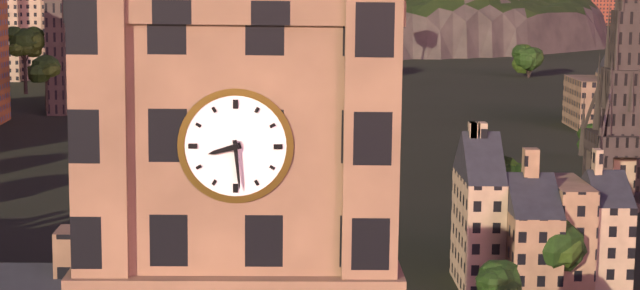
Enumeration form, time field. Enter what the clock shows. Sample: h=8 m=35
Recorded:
h=8 m=29
